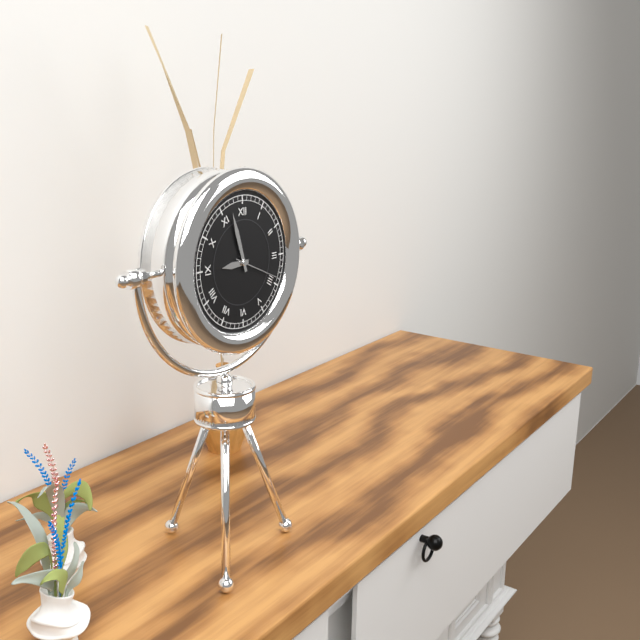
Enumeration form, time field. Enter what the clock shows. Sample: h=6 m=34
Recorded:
h=8 m=57
